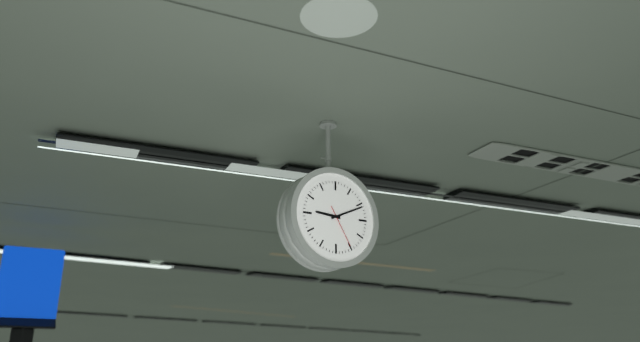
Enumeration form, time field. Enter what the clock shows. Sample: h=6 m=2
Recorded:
h=9 m=11
